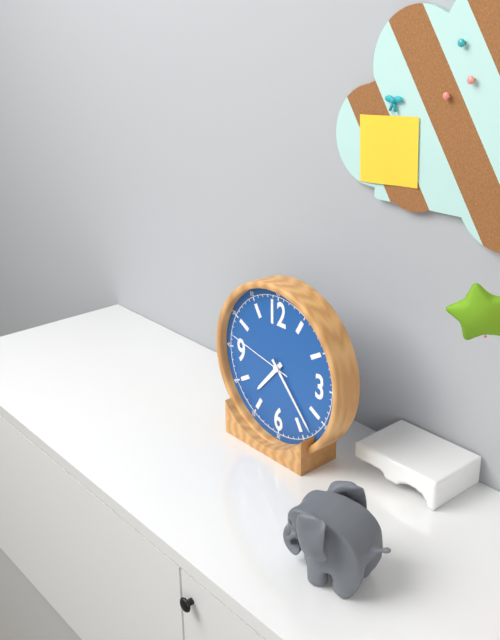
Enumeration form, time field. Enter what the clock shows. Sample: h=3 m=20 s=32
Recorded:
h=7 m=23 s=47
